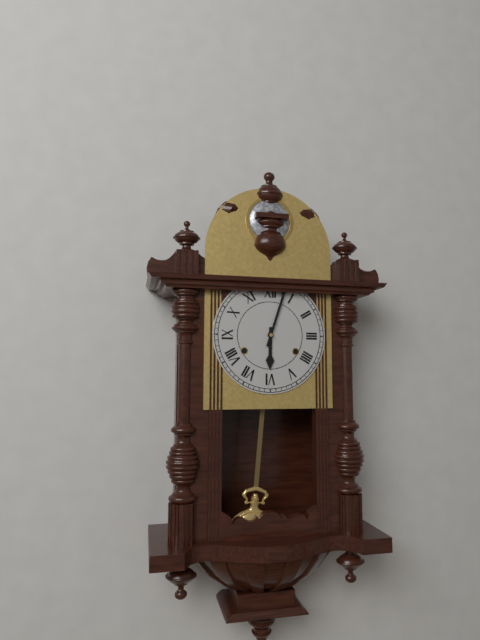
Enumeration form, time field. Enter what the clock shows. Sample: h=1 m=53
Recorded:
h=6 m=3
